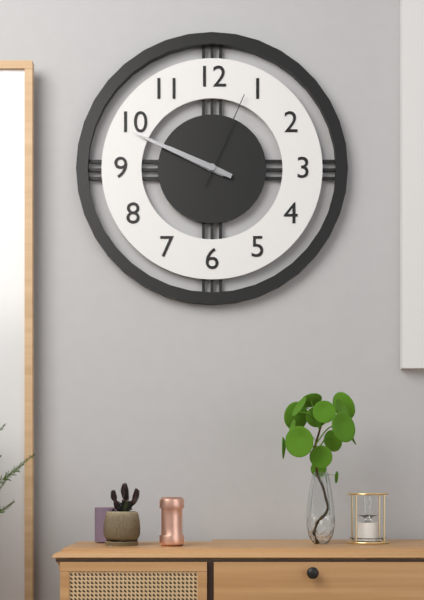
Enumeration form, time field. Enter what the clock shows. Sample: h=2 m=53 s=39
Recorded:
h=9 m=49 s=4
